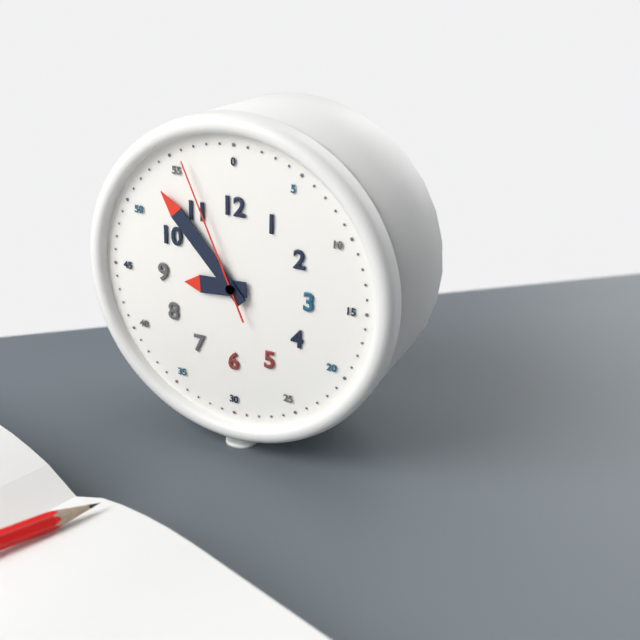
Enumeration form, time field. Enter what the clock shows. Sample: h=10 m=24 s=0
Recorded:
h=8 m=53 s=56
